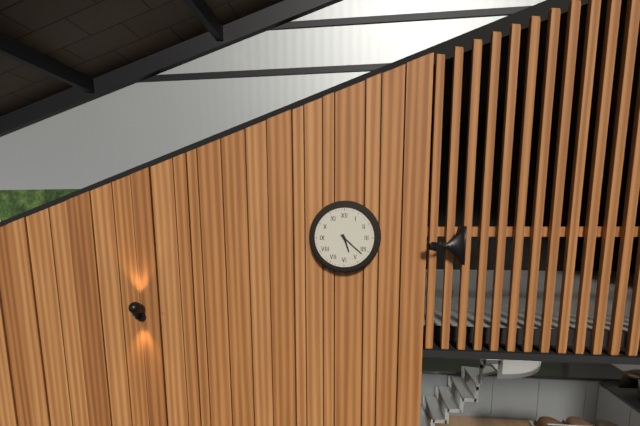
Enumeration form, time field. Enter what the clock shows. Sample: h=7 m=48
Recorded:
h=5 m=22
